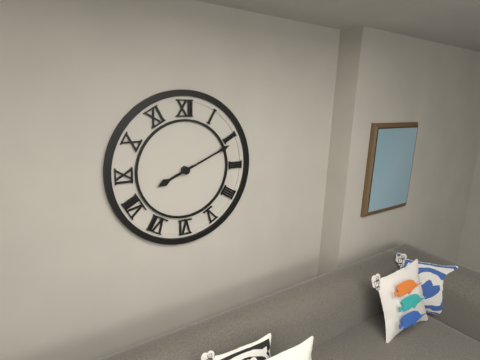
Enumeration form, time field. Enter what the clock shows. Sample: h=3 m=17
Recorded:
h=8 m=11
